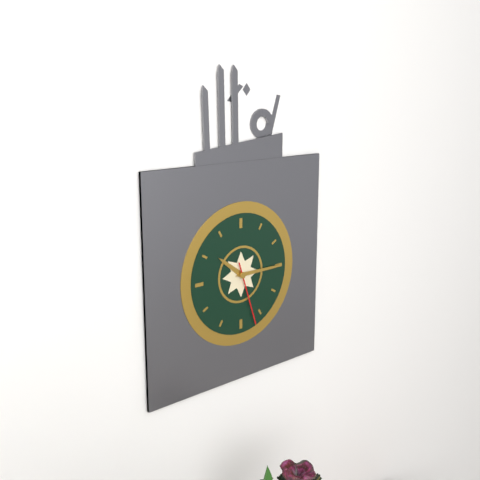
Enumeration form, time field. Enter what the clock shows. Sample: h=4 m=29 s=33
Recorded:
h=10 m=15 s=27
